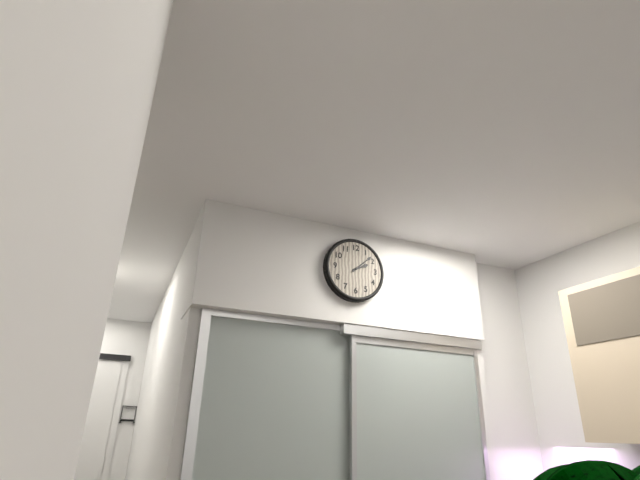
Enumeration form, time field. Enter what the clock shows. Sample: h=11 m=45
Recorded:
h=2 m=8
